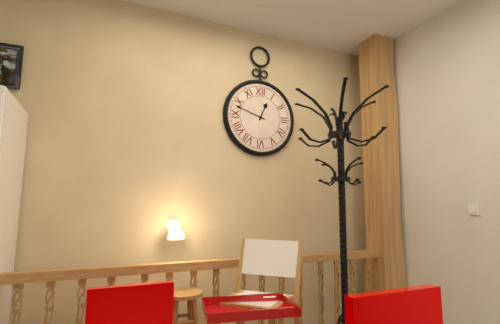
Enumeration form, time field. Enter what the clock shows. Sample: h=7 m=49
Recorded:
h=12 m=48
